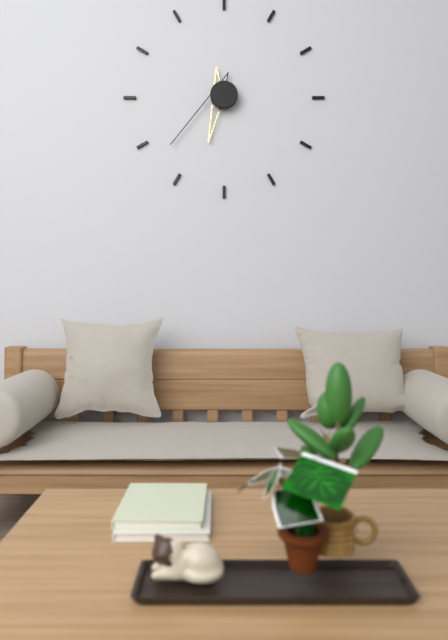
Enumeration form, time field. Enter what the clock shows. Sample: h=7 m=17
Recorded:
h=6 m=38
